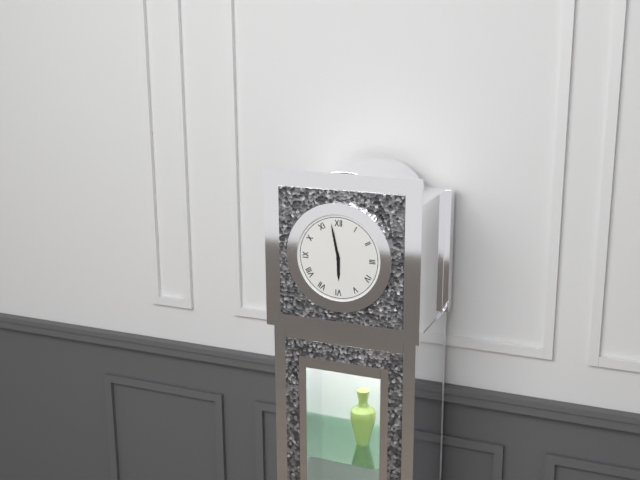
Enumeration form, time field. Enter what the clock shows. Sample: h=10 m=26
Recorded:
h=5 m=58
